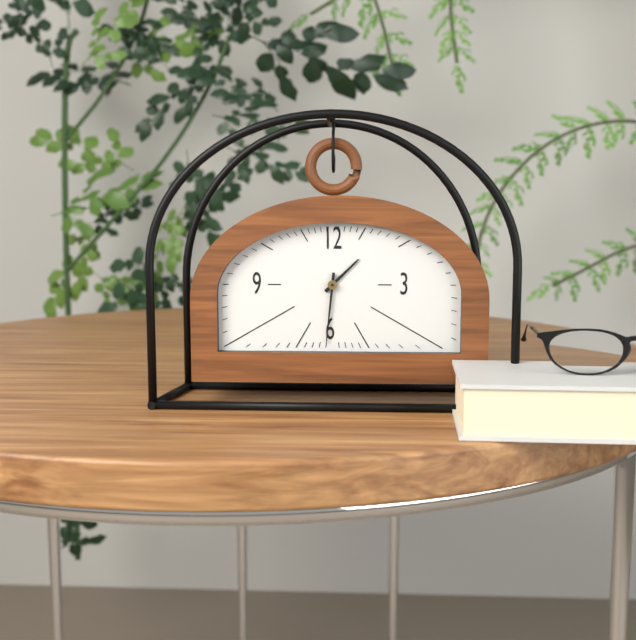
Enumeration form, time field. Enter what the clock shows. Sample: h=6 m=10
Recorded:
h=1 m=31
